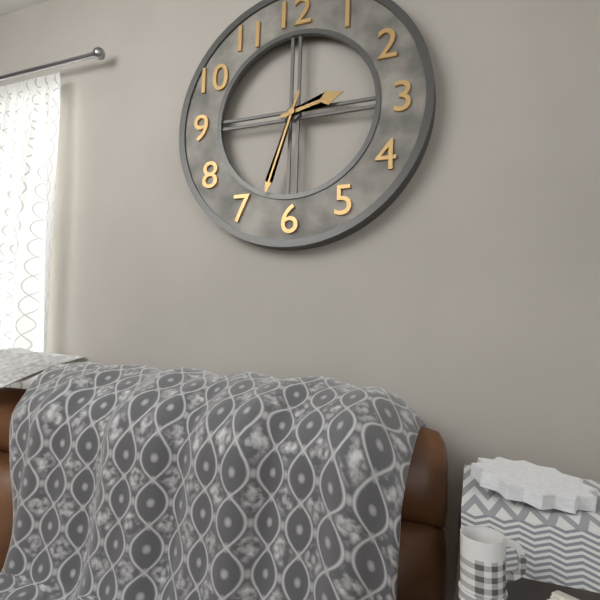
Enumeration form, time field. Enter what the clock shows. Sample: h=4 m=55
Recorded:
h=2 m=33
